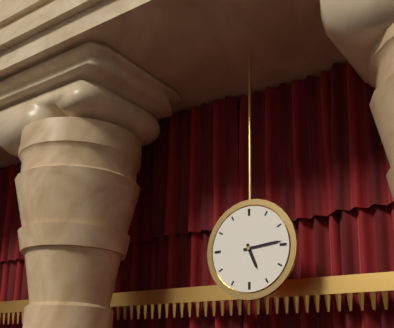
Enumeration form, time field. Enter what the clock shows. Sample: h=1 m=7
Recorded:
h=5 m=14
